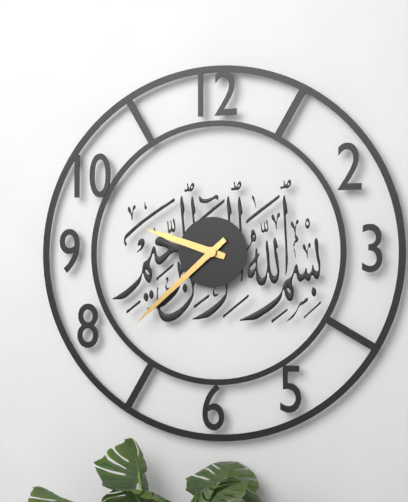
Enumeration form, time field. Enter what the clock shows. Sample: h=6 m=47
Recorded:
h=9 m=38
